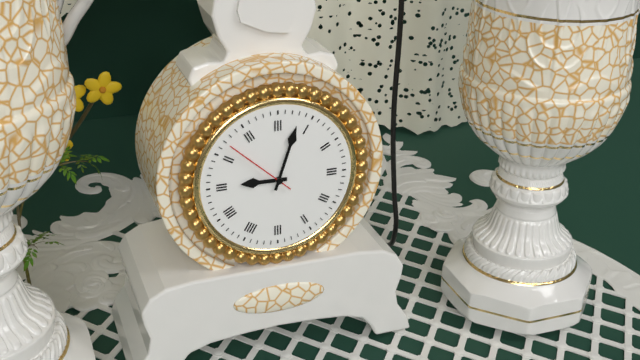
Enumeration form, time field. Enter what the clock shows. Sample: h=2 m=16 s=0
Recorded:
h=9 m=3 s=52
